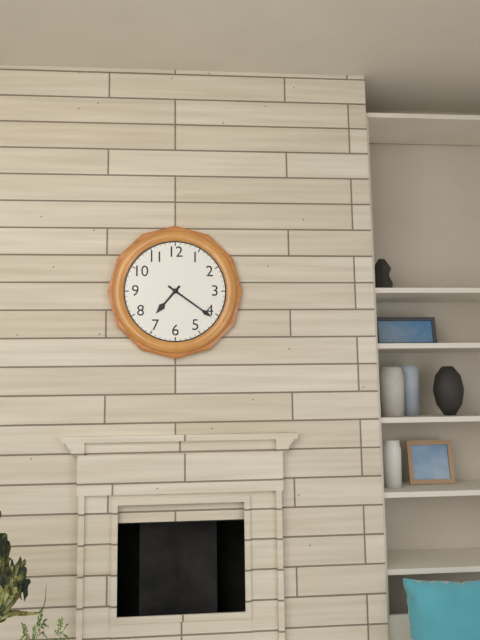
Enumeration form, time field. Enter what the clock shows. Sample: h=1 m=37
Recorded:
h=7 m=21
